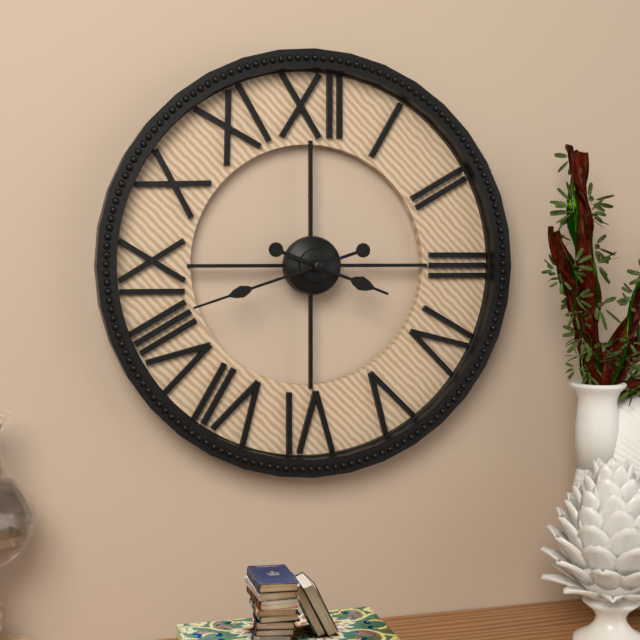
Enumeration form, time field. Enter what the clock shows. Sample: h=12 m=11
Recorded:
h=3 m=42
